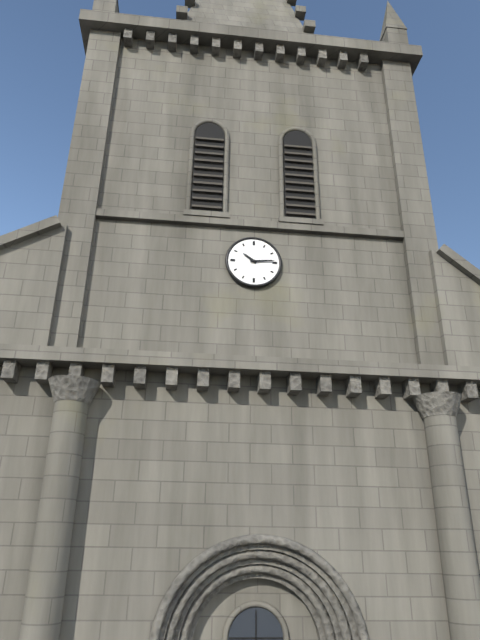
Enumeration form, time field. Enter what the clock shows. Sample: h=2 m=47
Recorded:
h=10 m=14
